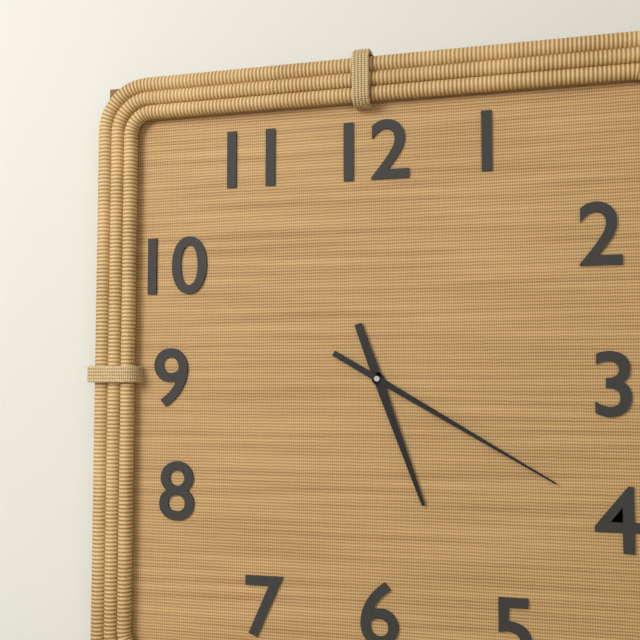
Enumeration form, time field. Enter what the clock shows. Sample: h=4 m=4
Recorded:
h=5 m=20
